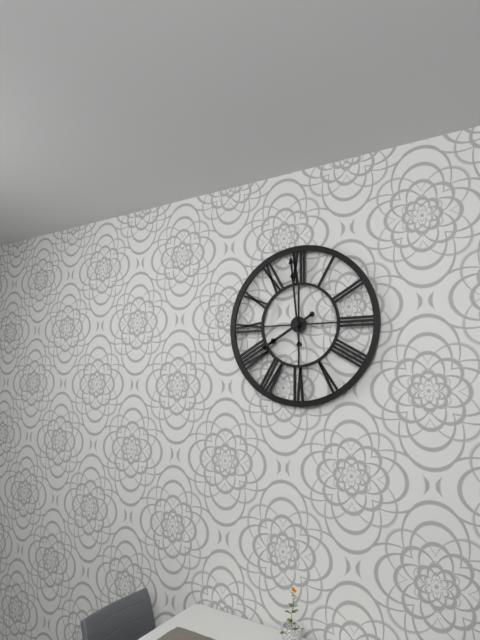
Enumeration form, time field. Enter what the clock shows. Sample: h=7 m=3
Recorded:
h=7 m=59
